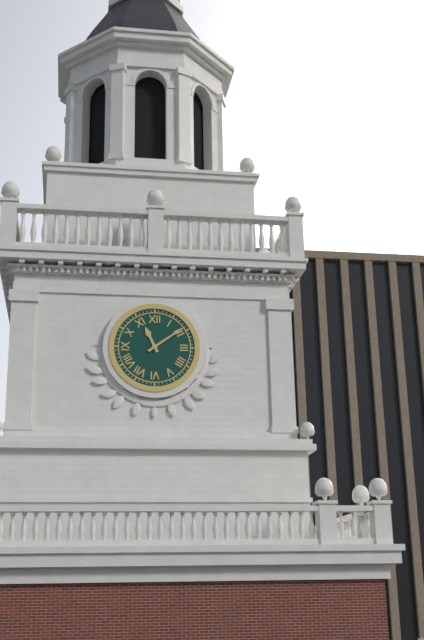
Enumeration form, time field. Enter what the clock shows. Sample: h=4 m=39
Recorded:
h=11 m=9
